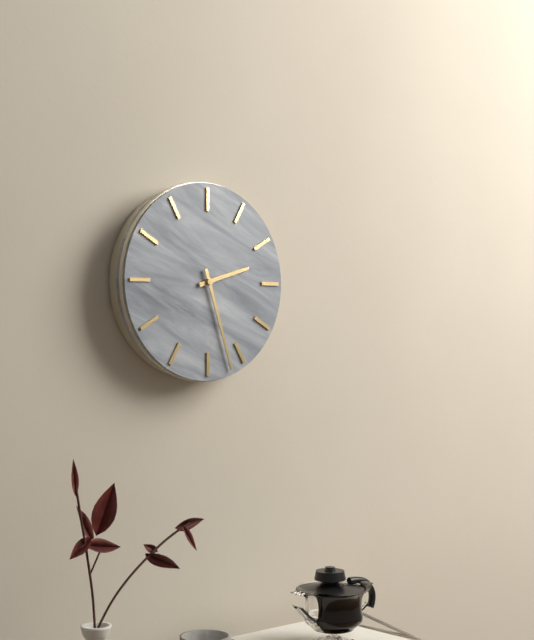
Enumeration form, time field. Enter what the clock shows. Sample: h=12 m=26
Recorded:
h=2 m=27
